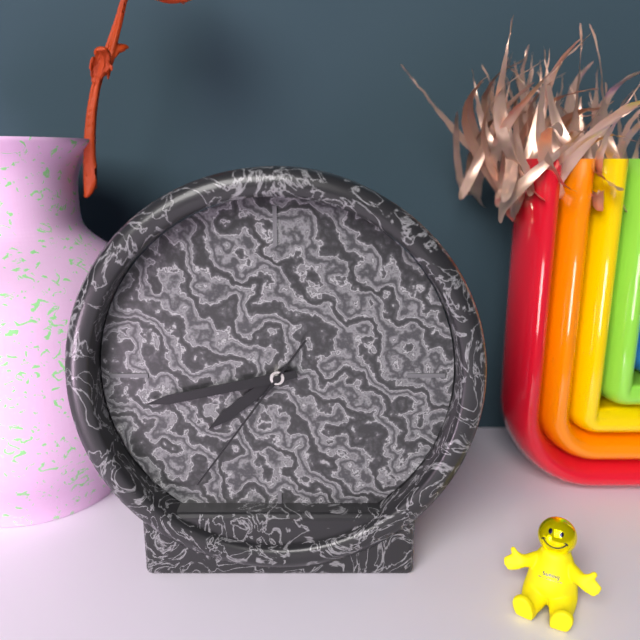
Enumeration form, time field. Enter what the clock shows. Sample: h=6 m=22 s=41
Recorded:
h=7 m=43 s=36
